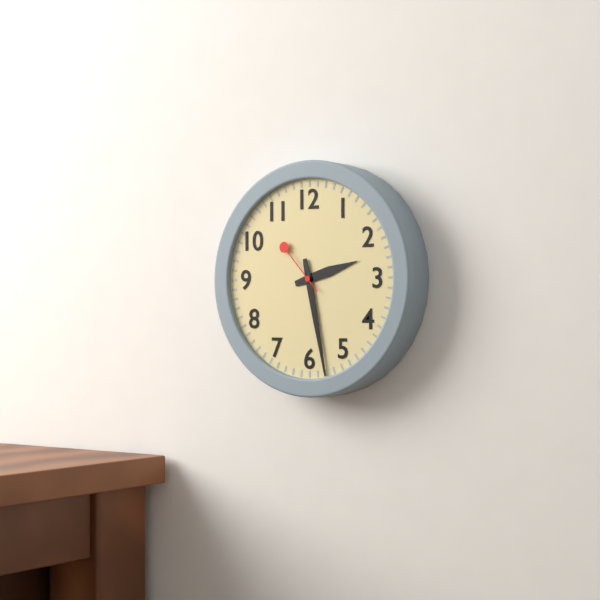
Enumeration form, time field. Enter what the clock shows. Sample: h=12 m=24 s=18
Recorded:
h=2 m=28 s=53
